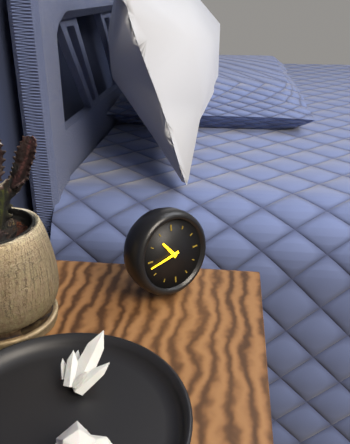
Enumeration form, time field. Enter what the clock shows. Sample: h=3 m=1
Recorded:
h=10 m=43
